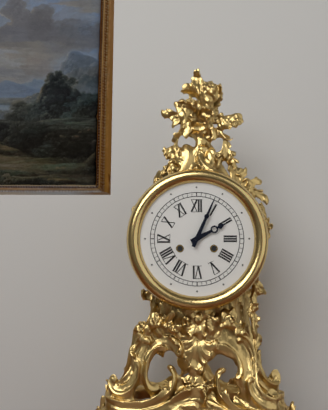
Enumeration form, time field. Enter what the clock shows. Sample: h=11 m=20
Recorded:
h=2 m=4
